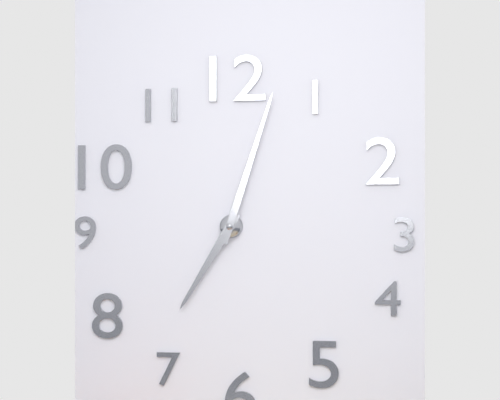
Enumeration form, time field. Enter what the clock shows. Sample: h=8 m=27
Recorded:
h=7 m=3
